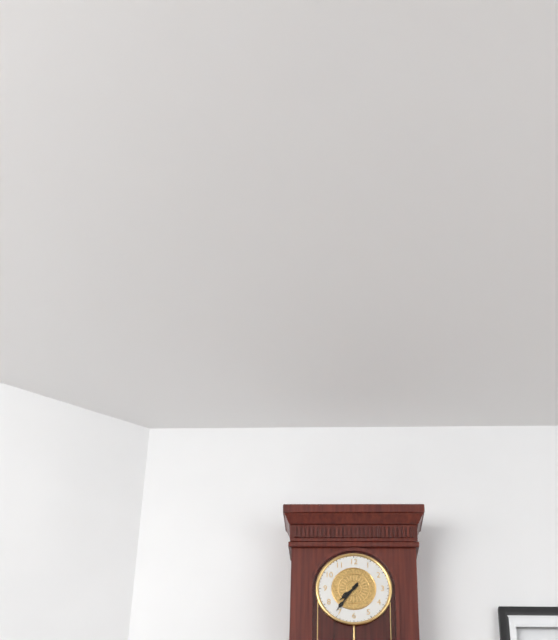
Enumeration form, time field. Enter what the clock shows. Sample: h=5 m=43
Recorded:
h=7 m=36
